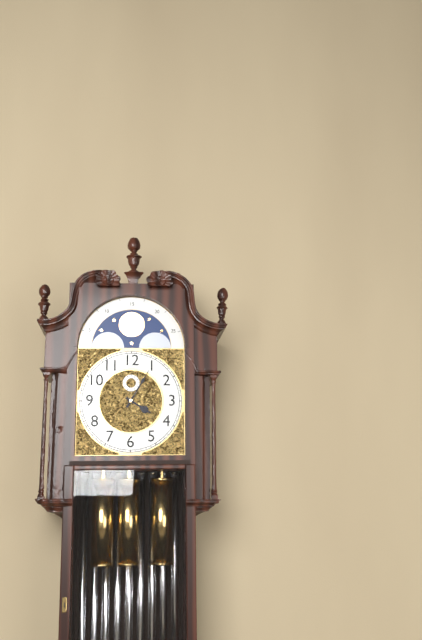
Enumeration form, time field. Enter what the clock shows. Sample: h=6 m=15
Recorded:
h=4 m=5
